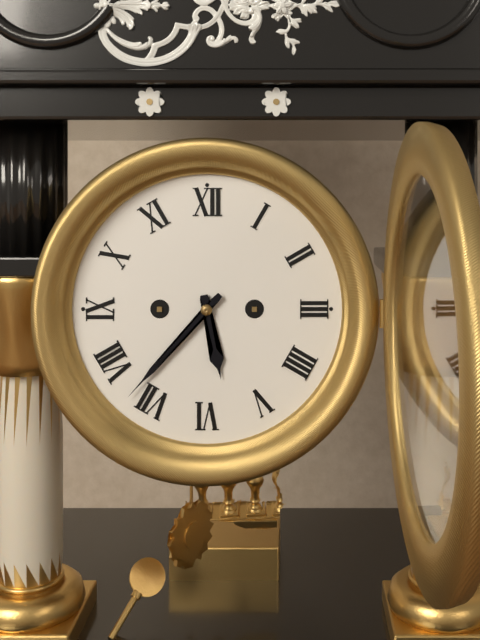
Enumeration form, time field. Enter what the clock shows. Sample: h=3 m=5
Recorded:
h=5 m=37
